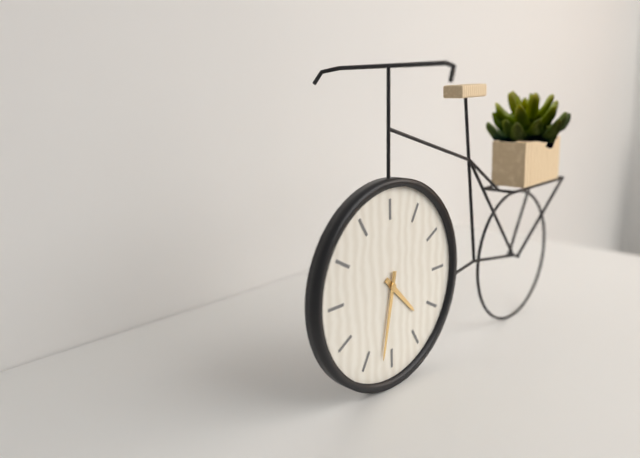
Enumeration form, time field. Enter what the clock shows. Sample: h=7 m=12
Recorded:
h=4 m=32
